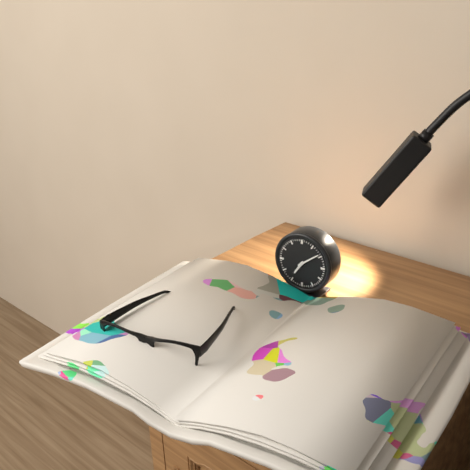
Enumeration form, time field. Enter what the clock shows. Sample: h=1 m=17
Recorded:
h=7 m=9
